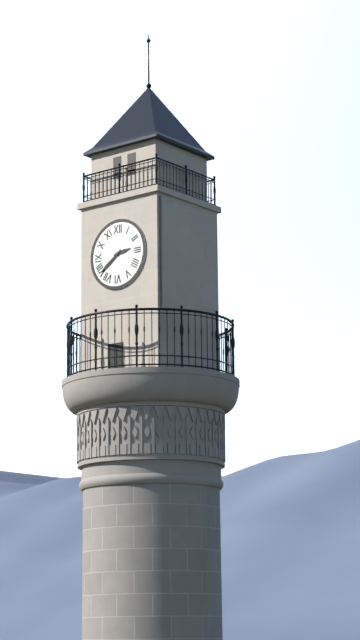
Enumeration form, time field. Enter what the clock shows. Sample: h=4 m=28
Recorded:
h=2 m=39
